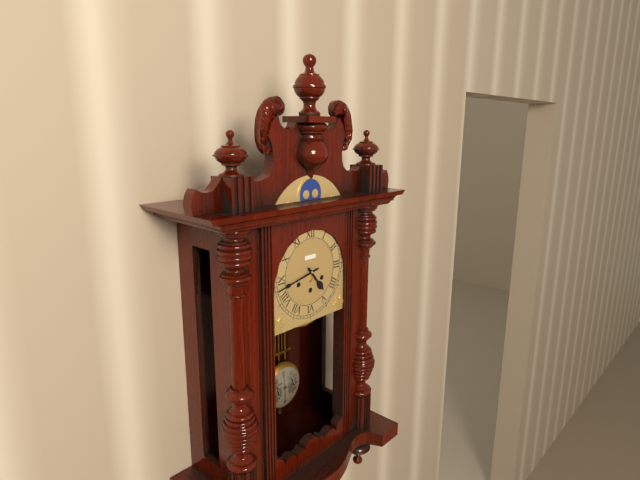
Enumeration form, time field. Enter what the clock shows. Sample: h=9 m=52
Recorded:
h=4 m=43
